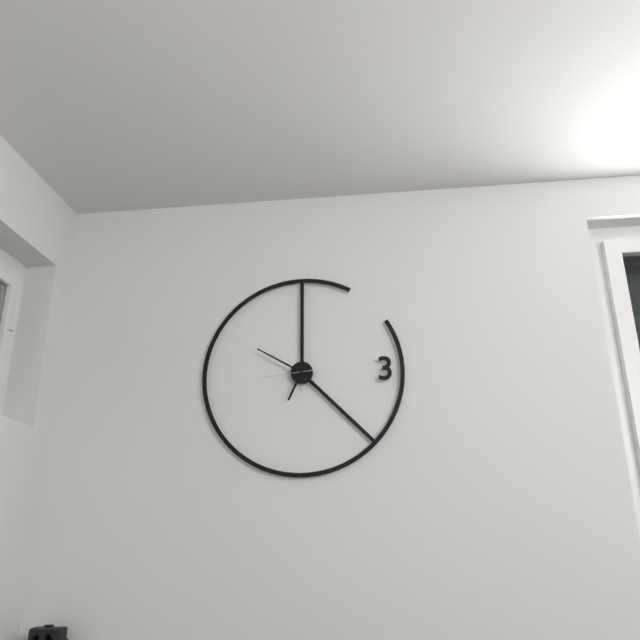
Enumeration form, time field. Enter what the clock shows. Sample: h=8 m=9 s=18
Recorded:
h=6 m=50 s=44
